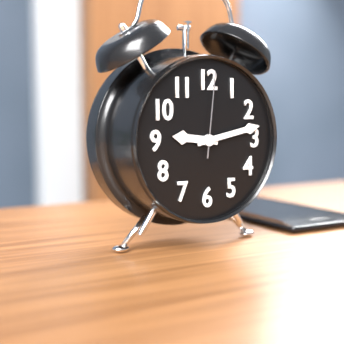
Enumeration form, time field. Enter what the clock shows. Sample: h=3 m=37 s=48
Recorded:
h=9 m=13 s=1
